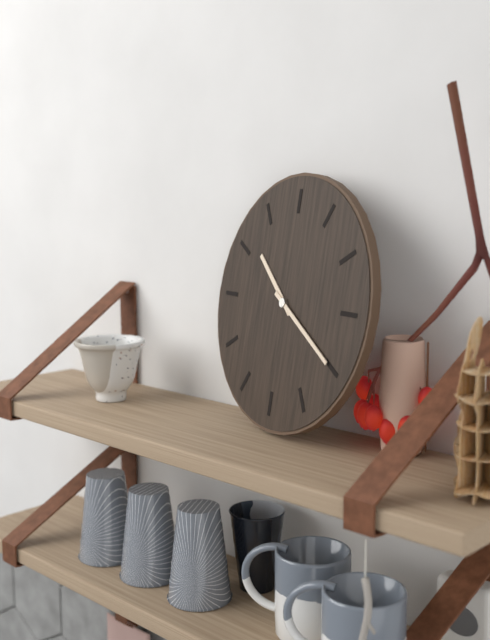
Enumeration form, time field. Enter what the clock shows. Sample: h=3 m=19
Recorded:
h=10 m=20
